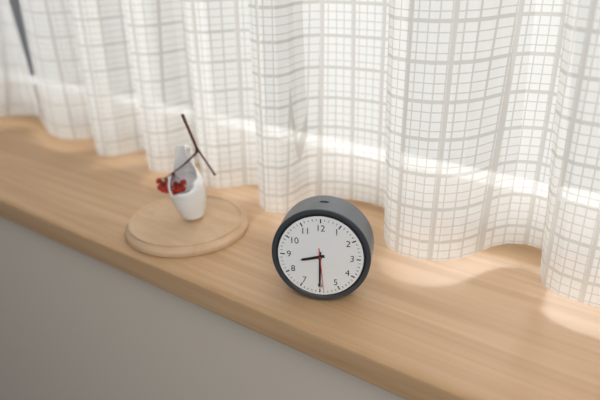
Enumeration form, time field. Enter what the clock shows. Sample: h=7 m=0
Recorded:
h=8 m=30
